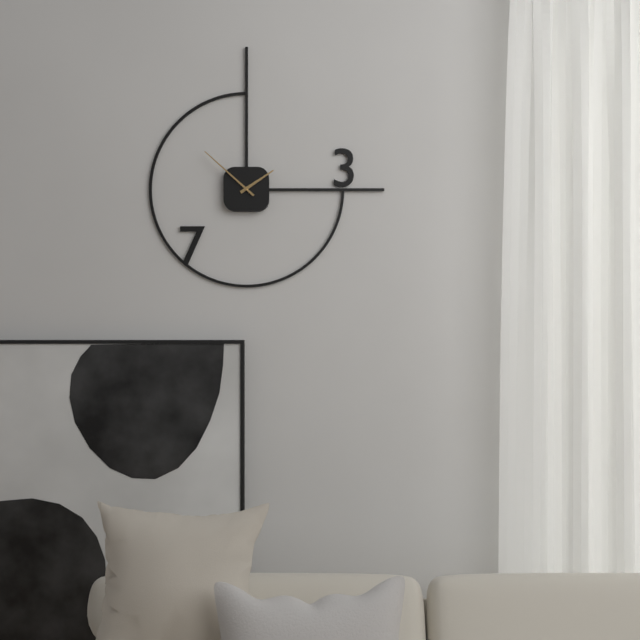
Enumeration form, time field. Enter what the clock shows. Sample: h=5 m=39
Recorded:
h=1 m=52
